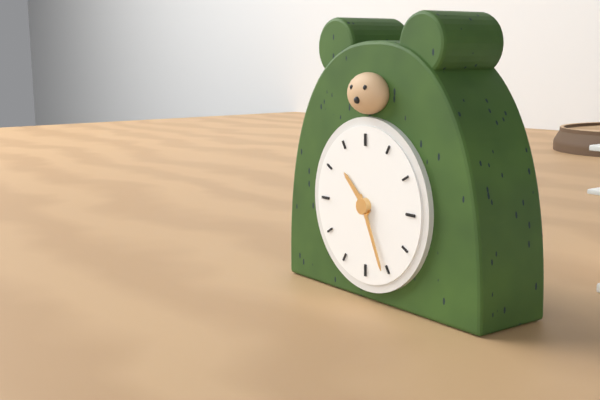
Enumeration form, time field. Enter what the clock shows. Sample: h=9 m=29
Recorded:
h=10 m=26
